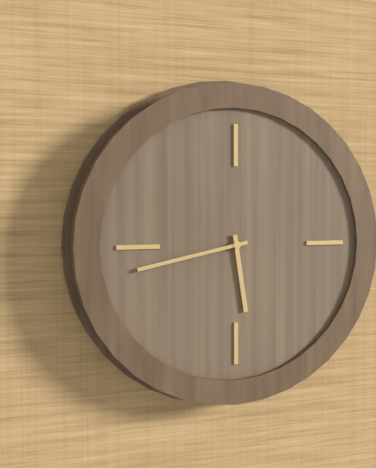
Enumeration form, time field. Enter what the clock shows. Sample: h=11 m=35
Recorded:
h=5 m=43
